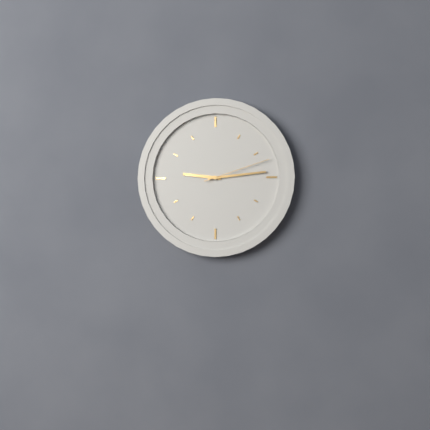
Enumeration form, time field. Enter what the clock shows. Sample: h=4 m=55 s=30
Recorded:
h=9 m=14 s=12
